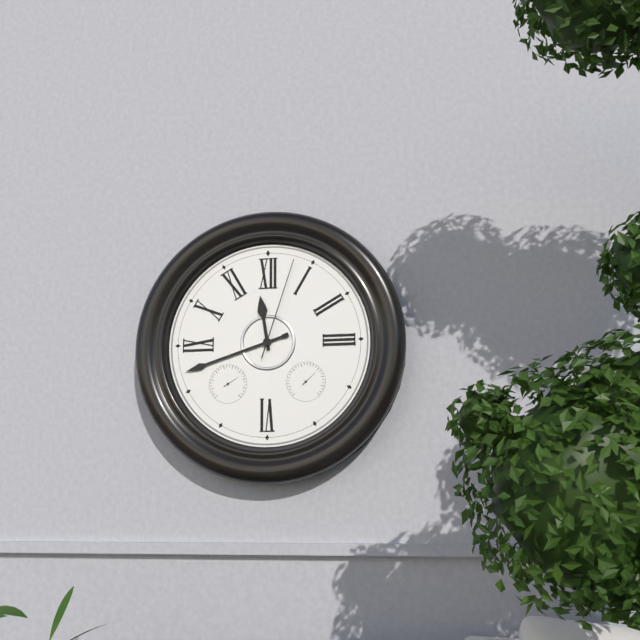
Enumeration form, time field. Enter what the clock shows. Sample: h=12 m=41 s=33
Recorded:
h=11 m=42 s=3
